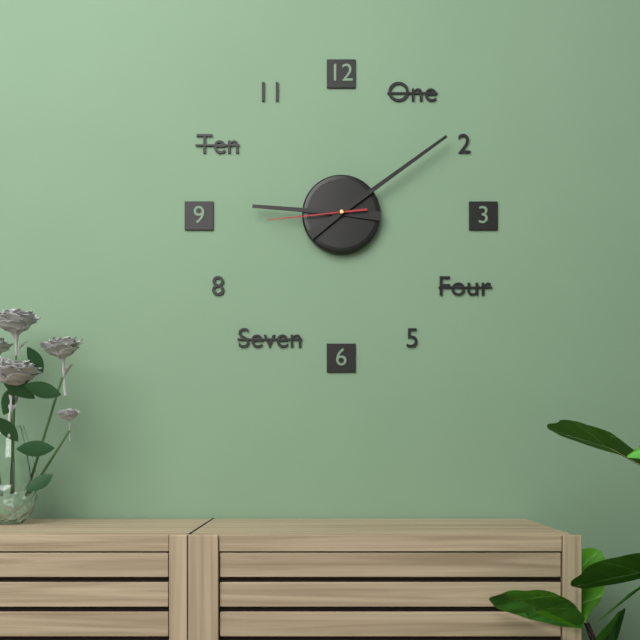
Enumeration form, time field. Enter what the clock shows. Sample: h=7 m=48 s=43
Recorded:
h=9 m=9 s=44
